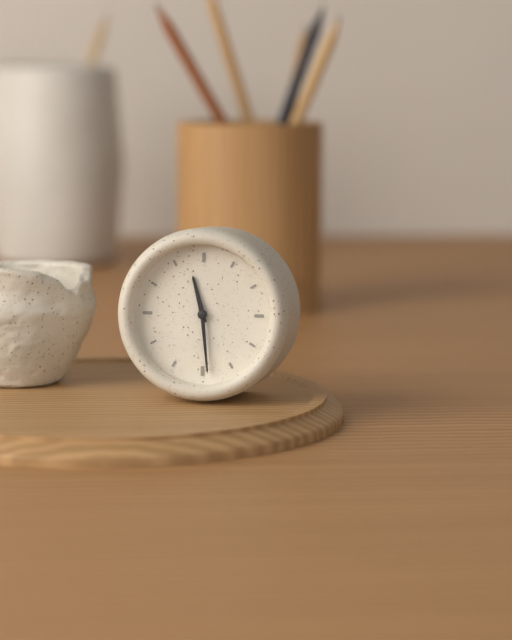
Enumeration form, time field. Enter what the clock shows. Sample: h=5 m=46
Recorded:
h=11 m=29
